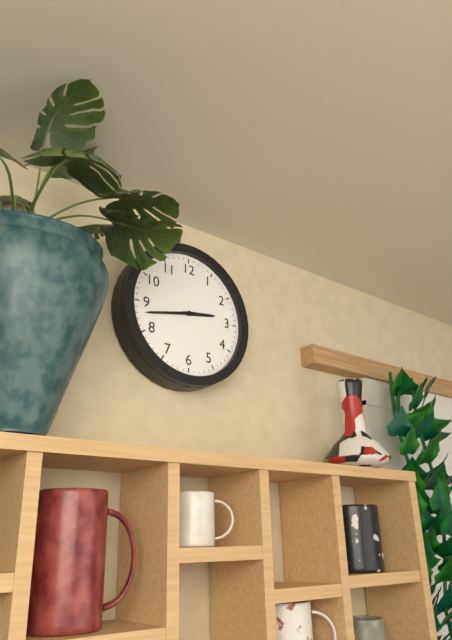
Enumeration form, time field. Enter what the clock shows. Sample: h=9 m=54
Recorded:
h=2 m=43
